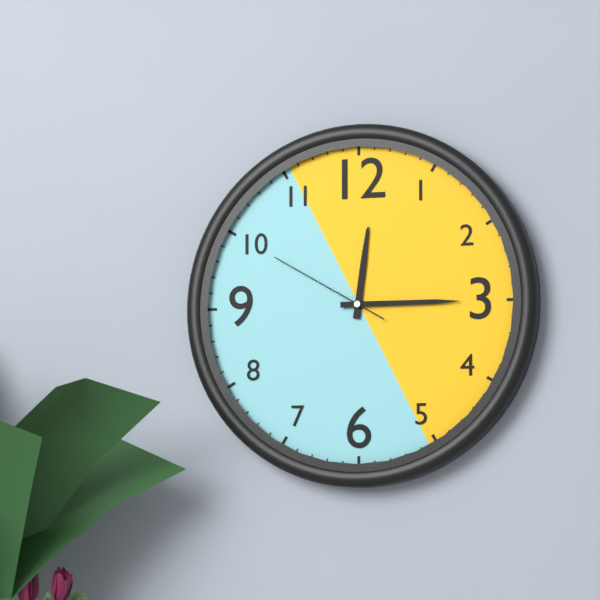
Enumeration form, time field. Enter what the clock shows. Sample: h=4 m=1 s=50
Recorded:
h=12 m=15 s=50
